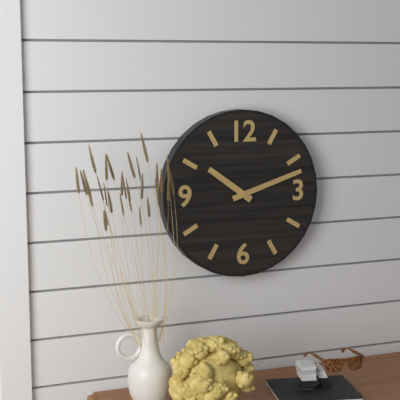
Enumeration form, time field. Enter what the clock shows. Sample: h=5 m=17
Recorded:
h=10 m=12
